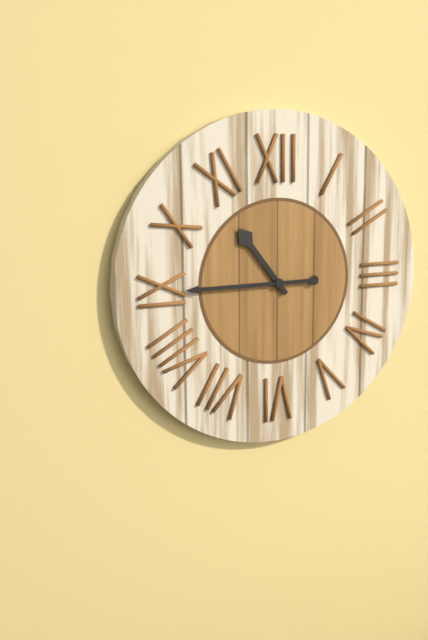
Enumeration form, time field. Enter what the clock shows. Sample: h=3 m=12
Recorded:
h=10 m=45
